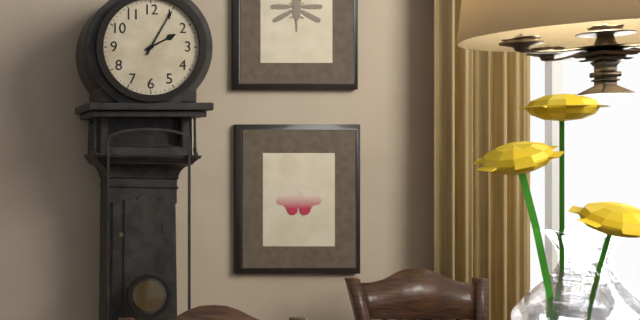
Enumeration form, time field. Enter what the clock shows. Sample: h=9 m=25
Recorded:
h=2 m=5
